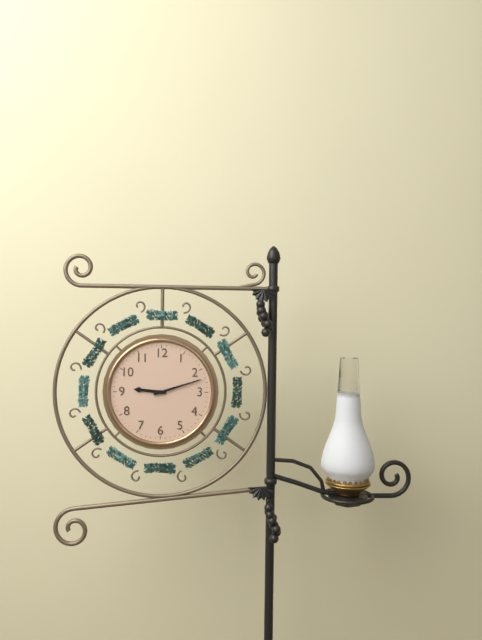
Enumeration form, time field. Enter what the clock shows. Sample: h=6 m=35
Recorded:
h=9 m=12
